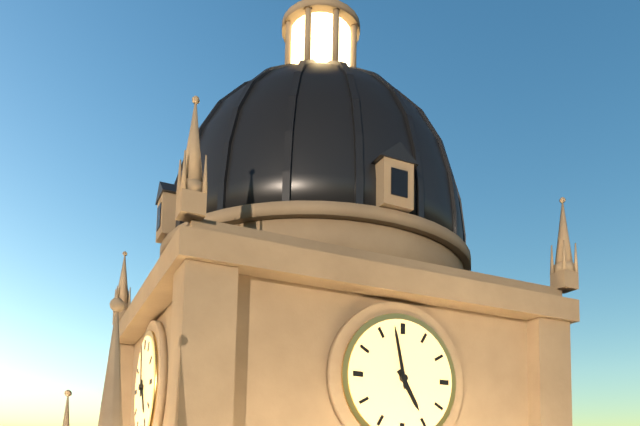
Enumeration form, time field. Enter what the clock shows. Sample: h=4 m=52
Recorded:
h=4 m=58
